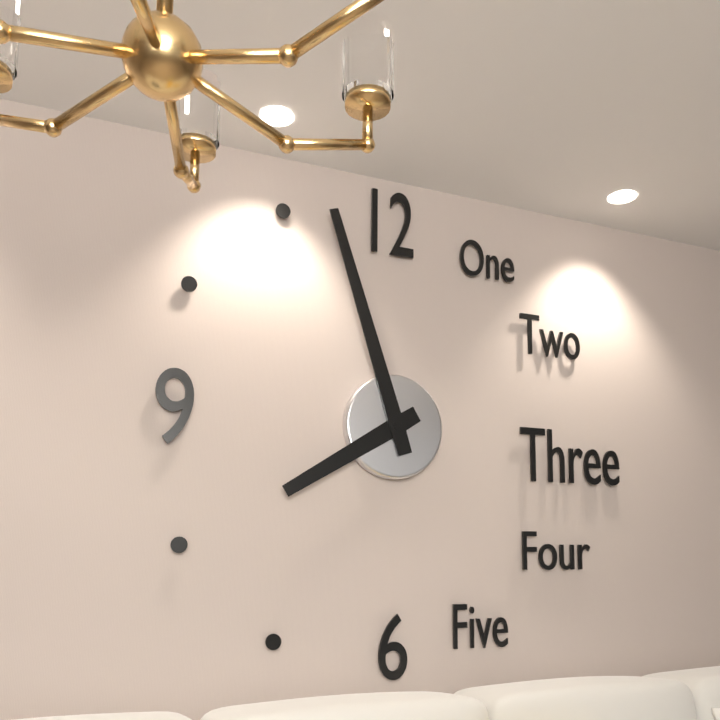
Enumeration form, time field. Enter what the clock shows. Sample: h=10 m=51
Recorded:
h=7 m=57
